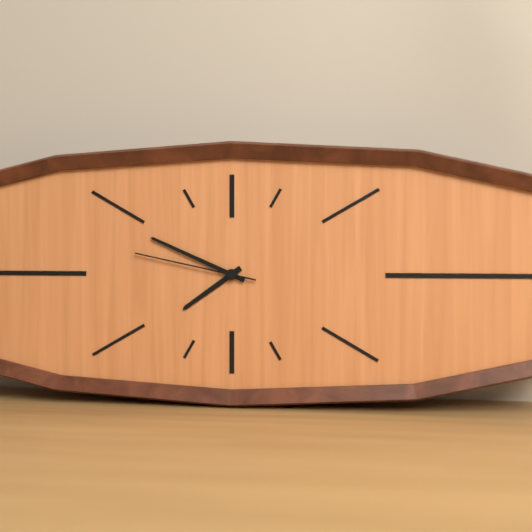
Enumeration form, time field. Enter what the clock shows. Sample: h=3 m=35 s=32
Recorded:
h=7 m=49 s=47
